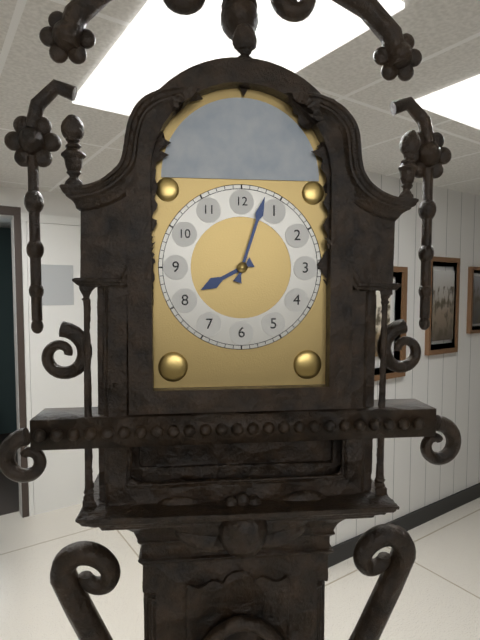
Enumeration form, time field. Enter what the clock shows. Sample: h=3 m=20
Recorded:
h=8 m=3
